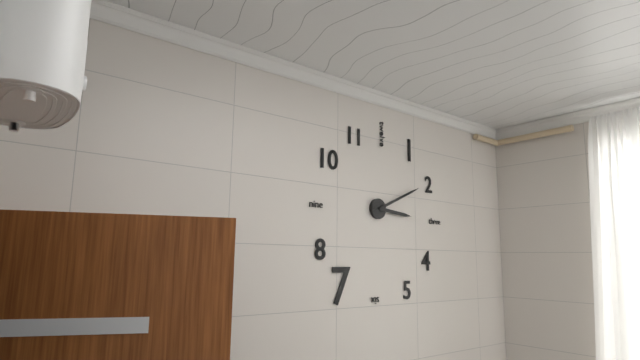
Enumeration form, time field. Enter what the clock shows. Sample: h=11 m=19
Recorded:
h=3 m=11
